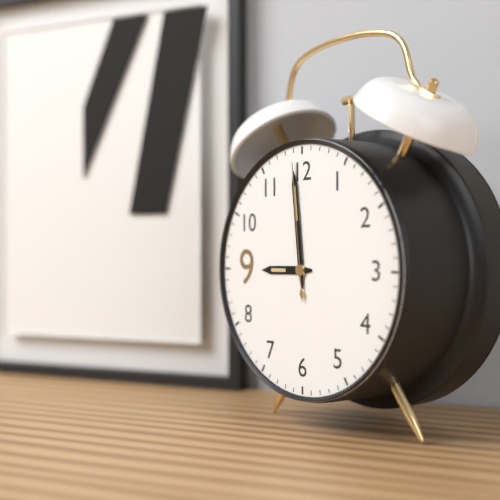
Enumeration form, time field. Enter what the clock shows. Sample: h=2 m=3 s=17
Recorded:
h=8 m=59 s=59
